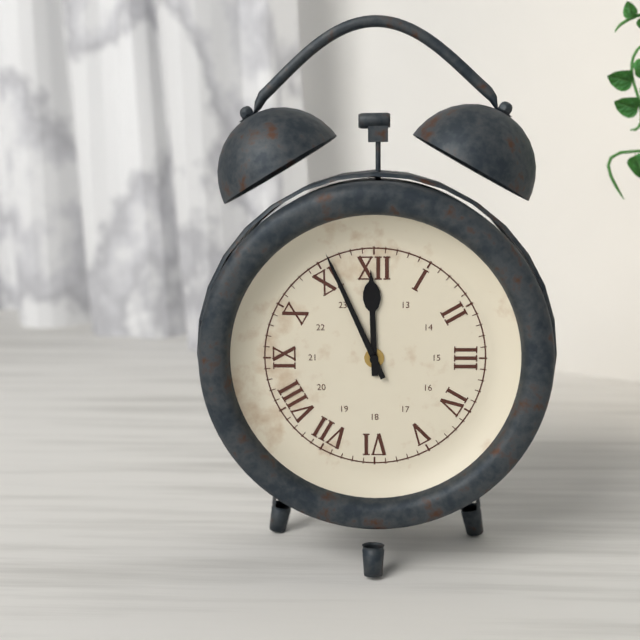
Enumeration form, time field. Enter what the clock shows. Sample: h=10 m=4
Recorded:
h=11 m=56
